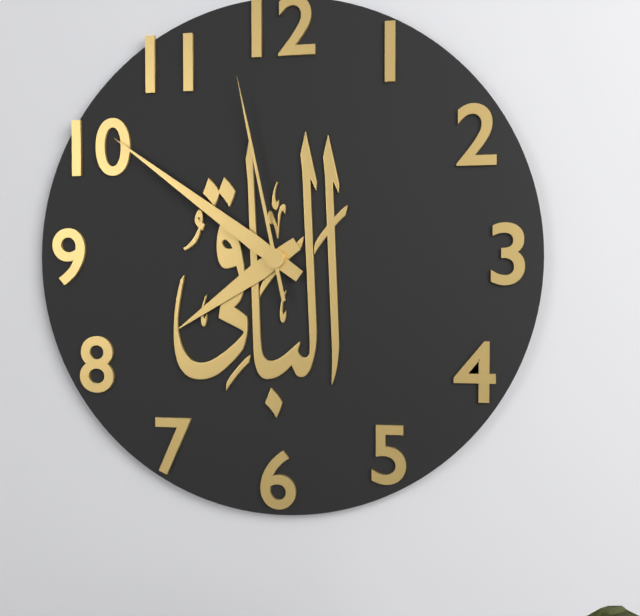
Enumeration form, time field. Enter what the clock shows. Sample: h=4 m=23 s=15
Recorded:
h=7 m=51 s=58
